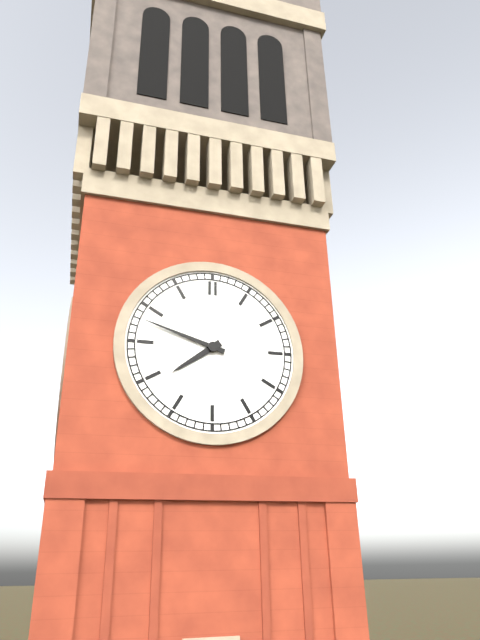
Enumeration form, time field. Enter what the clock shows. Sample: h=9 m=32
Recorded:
h=7 m=48
